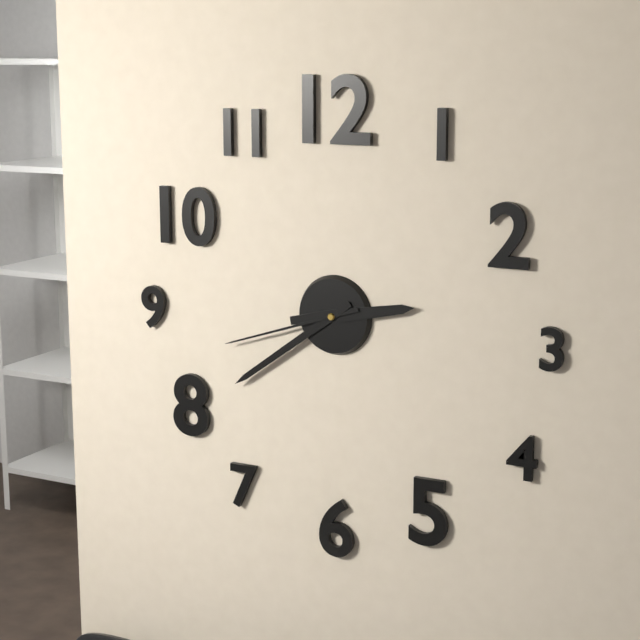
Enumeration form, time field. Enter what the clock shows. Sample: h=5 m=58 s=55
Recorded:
h=2 m=39 s=42
